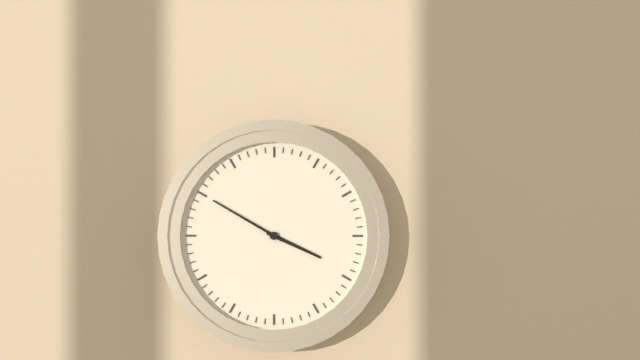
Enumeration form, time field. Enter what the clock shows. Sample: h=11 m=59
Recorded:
h=3 m=50
